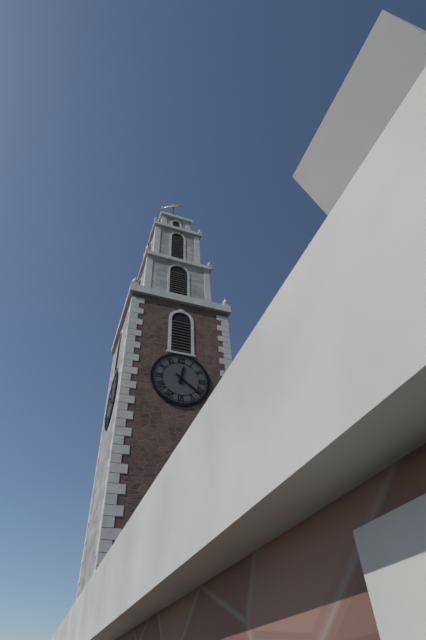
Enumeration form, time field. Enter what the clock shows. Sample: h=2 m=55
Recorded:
h=12 m=21
